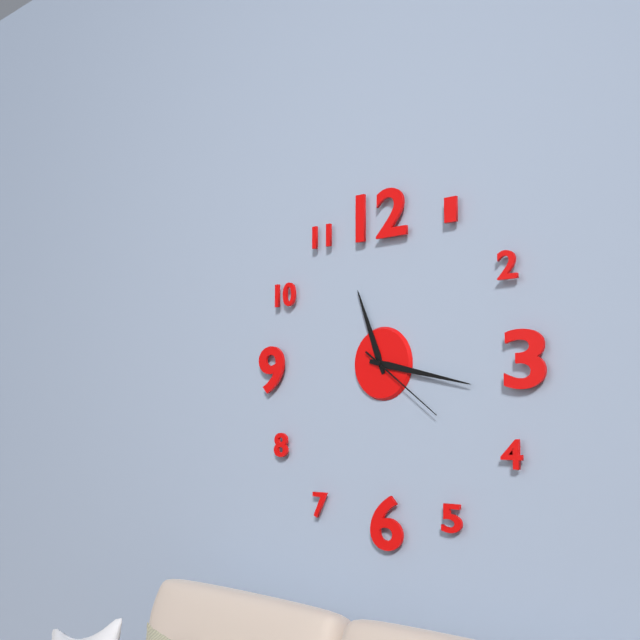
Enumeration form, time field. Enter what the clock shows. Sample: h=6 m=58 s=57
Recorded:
h=11 m=17 s=21
